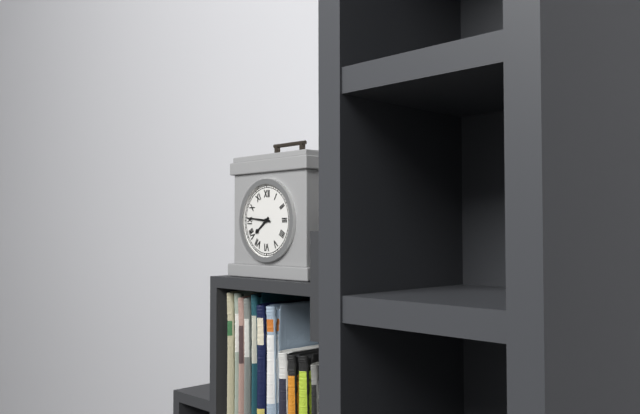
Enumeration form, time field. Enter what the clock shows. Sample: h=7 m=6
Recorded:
h=7 m=46
